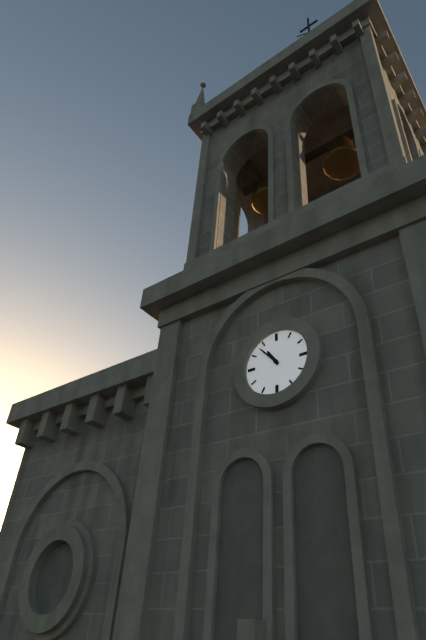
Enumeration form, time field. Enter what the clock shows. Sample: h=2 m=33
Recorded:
h=10 m=53
